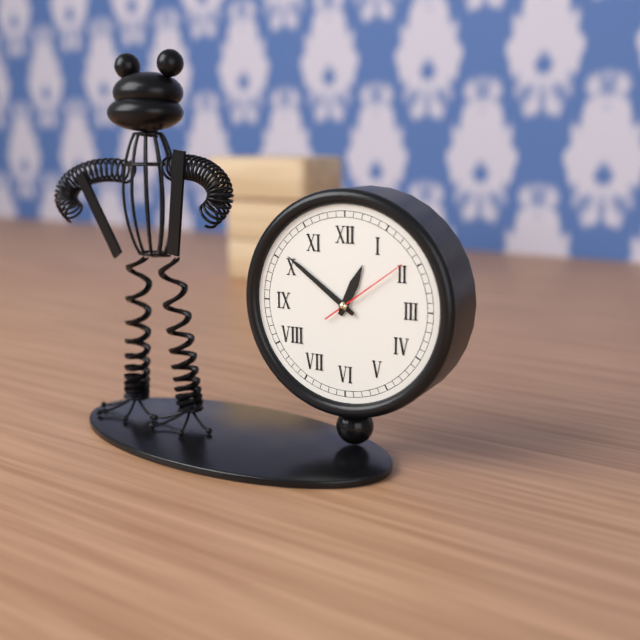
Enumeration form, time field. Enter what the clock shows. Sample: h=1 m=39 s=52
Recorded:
h=12 m=51 s=9
